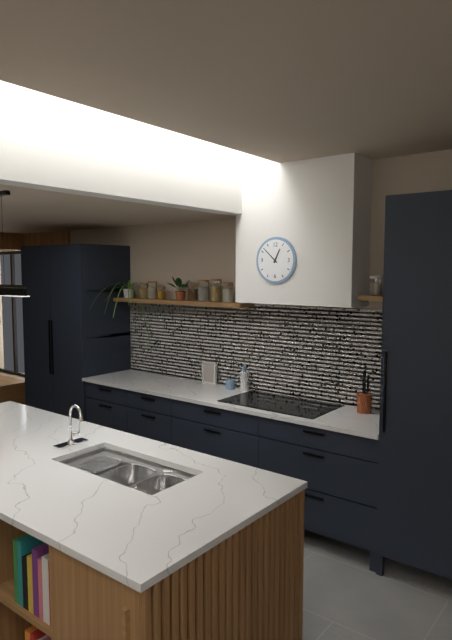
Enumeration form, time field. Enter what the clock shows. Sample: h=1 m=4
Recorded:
h=12 m=52
